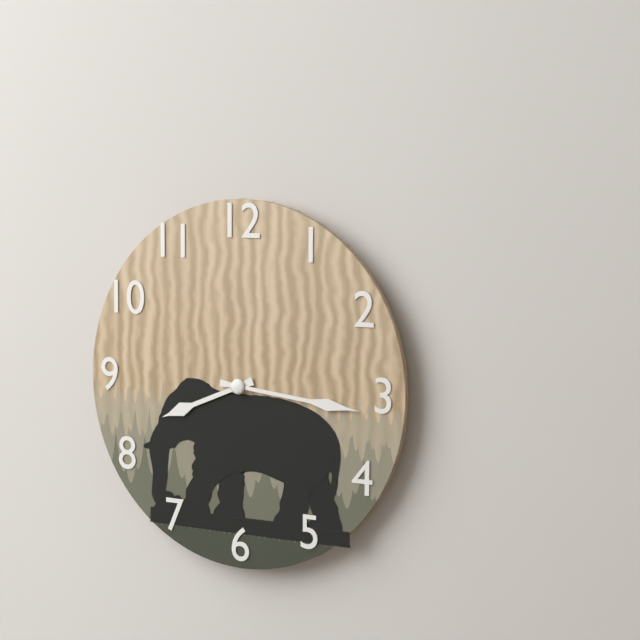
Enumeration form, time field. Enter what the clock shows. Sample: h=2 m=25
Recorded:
h=8 m=16
